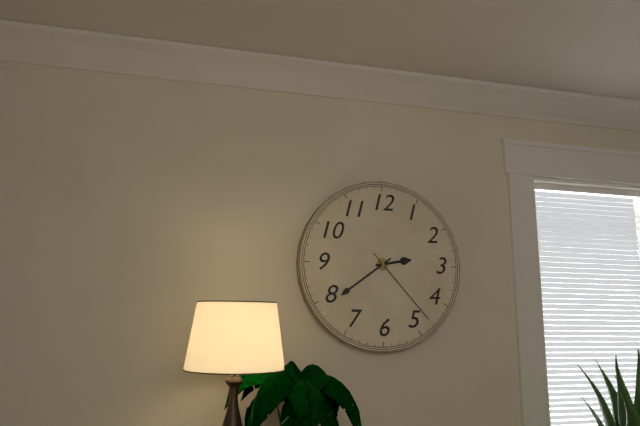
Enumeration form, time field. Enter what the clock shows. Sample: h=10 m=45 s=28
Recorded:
h=2 m=39 s=23
